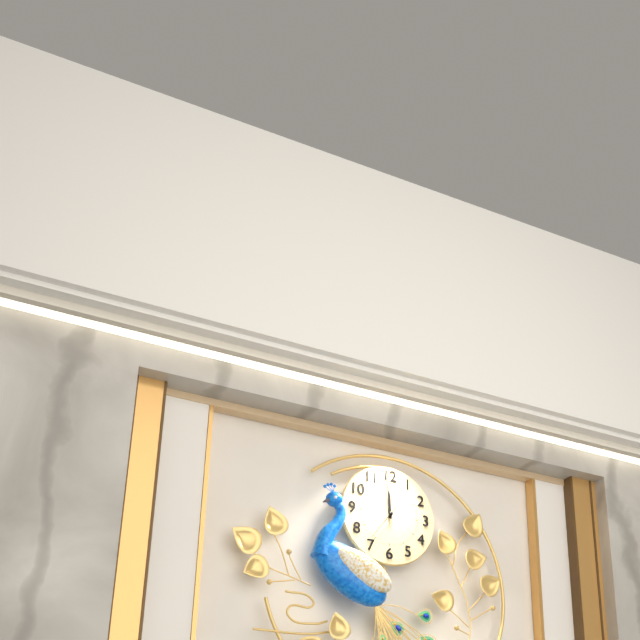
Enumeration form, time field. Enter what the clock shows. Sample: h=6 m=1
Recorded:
h=11 m=59
